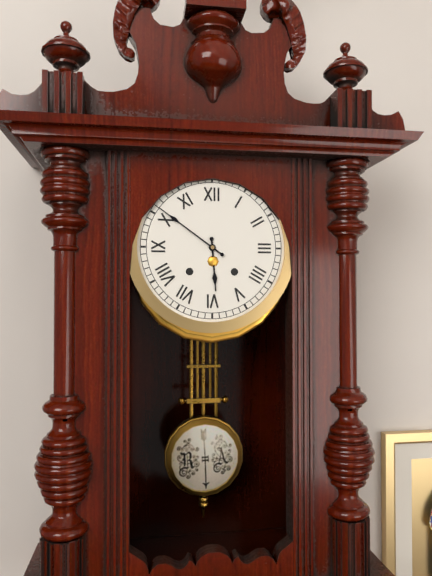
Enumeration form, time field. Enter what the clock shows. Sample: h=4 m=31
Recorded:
h=5 m=51
